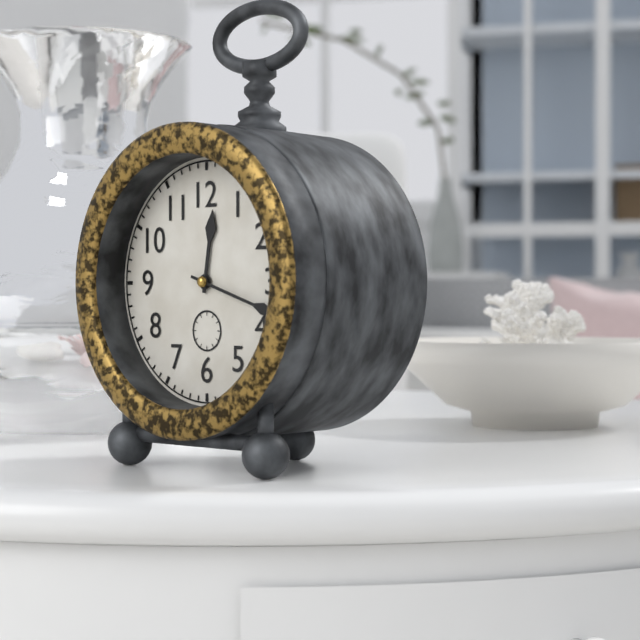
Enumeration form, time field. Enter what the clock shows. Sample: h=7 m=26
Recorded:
h=12 m=18
